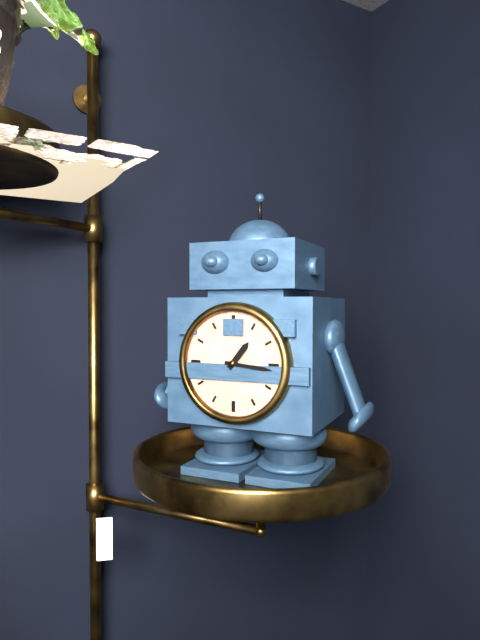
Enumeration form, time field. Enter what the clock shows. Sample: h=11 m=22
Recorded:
h=1 m=16
